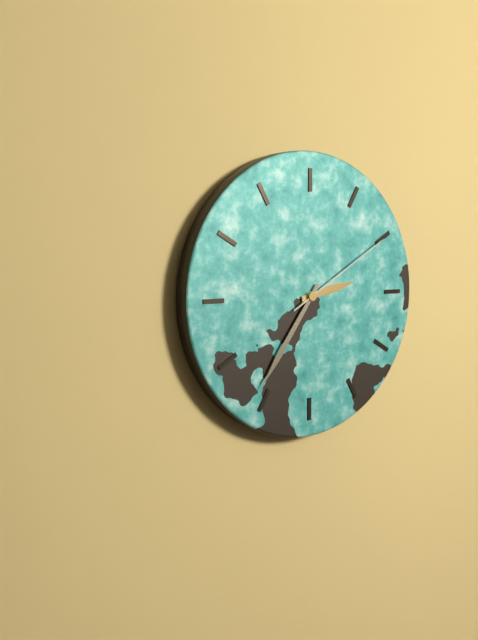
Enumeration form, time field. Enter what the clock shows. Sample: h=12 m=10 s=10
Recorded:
h=2 m=36 s=10
